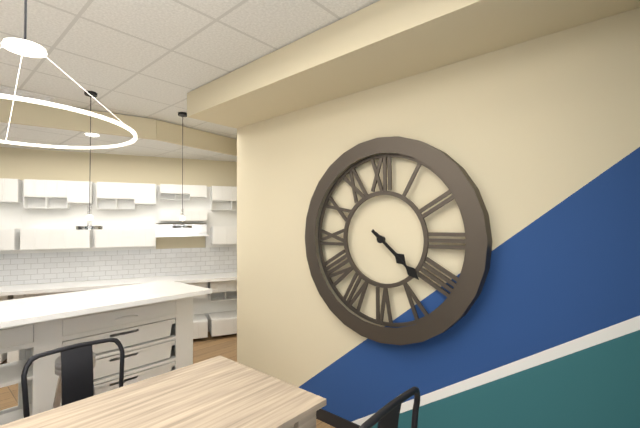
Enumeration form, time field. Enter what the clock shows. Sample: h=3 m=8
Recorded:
h=4 m=22
